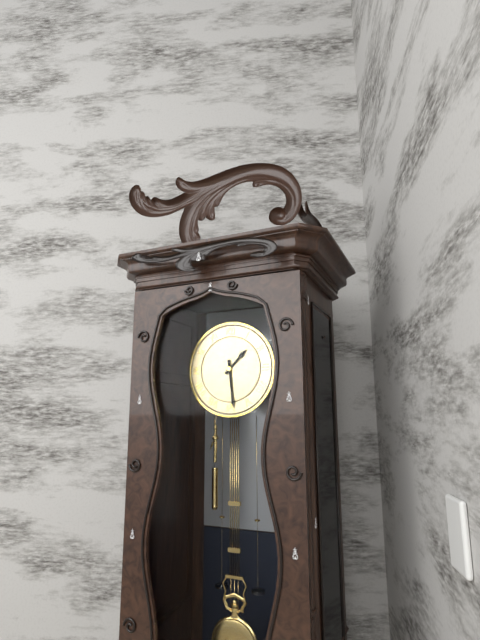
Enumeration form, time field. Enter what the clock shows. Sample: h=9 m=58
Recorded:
h=1 m=29
